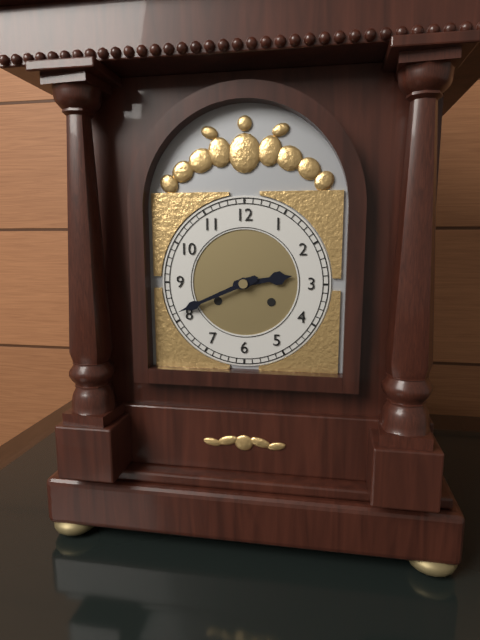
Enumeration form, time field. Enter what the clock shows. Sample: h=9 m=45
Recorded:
h=2 m=41
